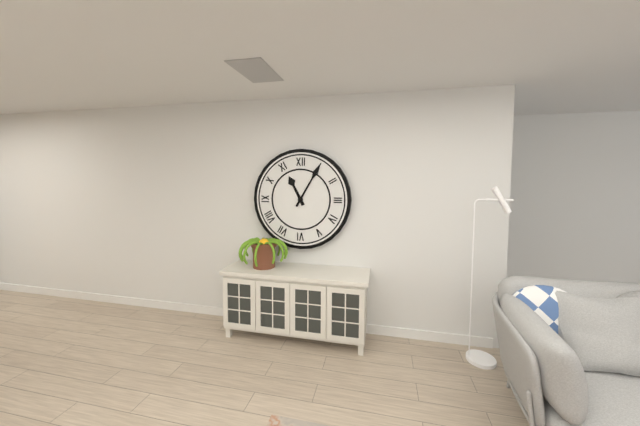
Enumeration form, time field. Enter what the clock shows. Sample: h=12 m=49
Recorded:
h=11 m=5
